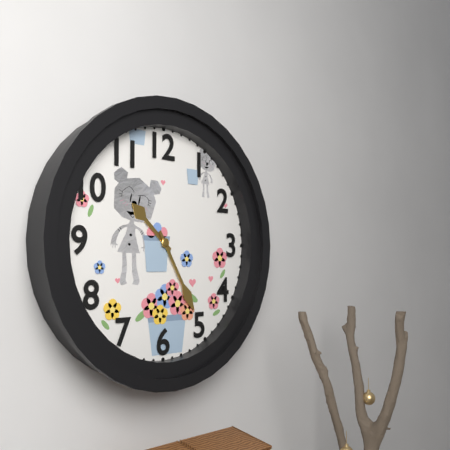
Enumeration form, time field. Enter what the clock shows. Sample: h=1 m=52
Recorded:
h=10 m=25
